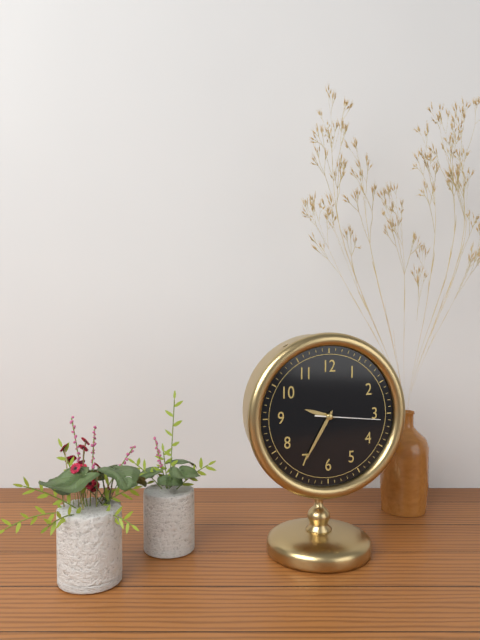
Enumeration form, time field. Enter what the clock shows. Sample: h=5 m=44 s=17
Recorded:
h=9 m=35 s=16
